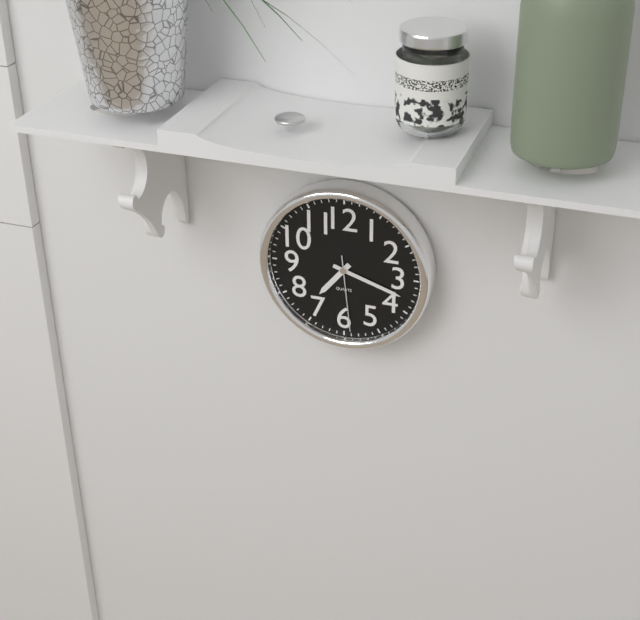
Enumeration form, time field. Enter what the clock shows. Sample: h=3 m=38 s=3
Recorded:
h=7 m=18 s=29
